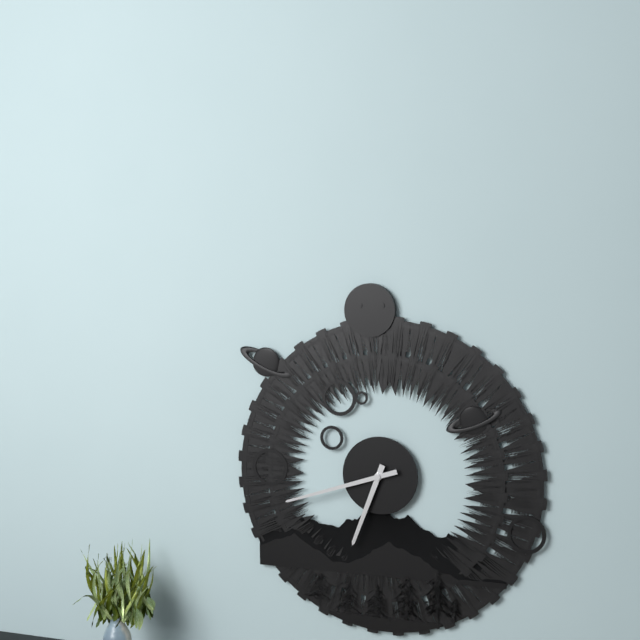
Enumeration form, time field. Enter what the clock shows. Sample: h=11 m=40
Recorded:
h=6 m=42
